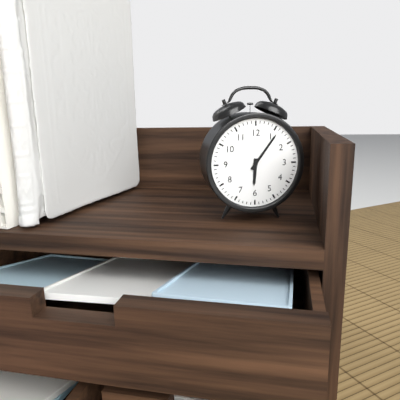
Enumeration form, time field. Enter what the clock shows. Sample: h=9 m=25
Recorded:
h=6 m=6
